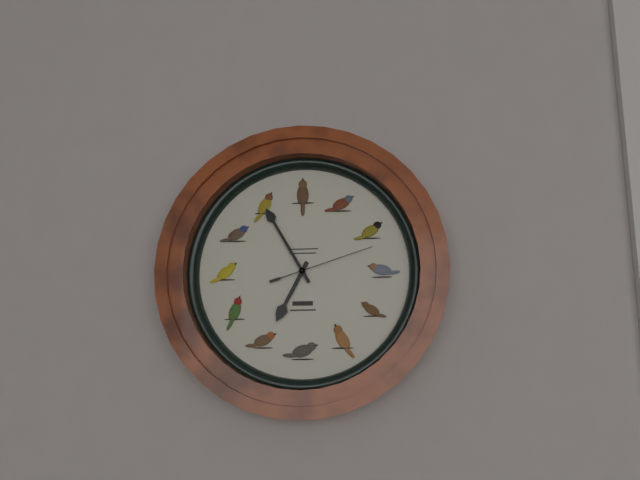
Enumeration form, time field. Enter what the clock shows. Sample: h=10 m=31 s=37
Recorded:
h=6 m=55 s=12
